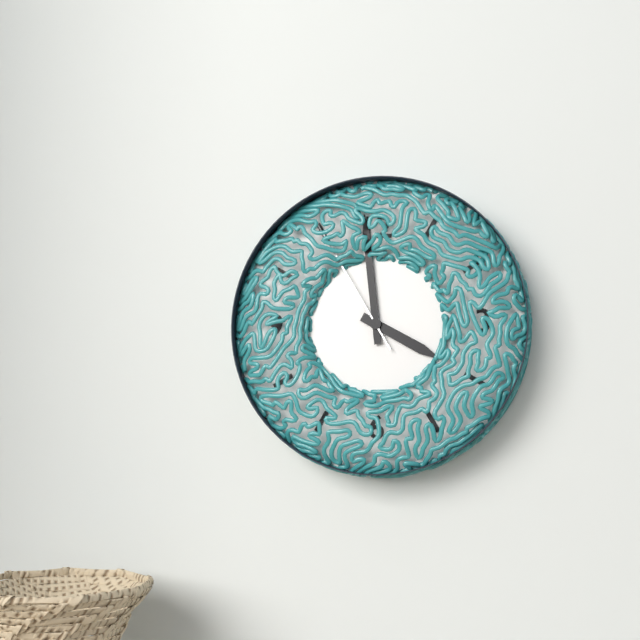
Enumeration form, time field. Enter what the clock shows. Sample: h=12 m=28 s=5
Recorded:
h=3 m=59 s=55
